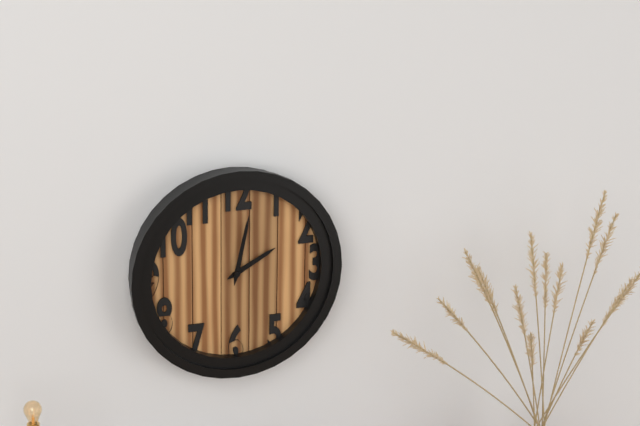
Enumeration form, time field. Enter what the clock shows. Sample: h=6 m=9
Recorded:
h=2 m=2
